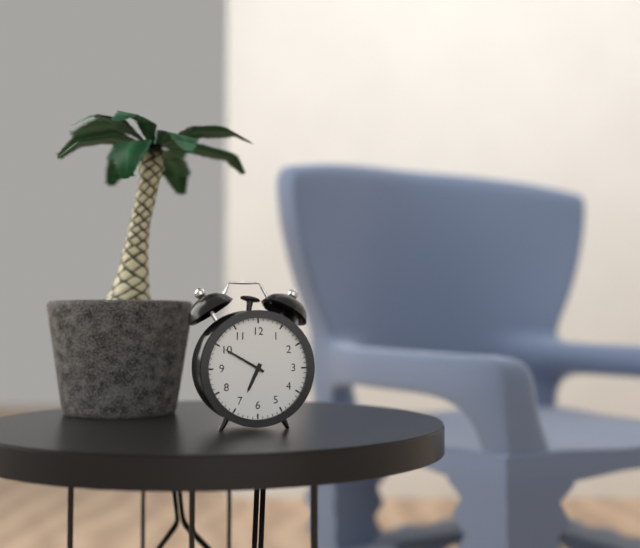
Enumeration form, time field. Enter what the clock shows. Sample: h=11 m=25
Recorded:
h=6 m=50
